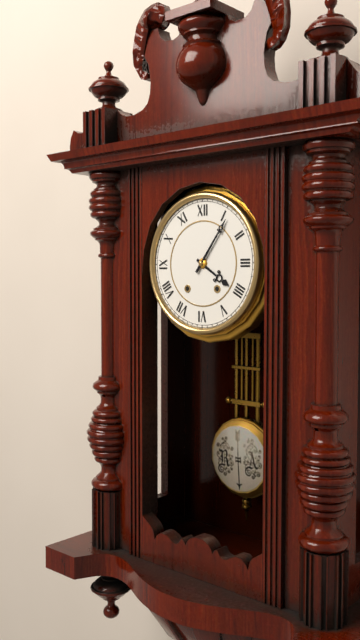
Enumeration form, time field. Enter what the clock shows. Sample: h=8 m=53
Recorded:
h=4 m=6
